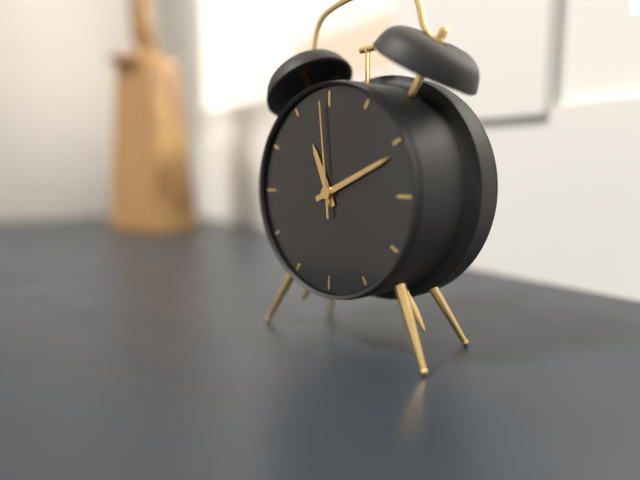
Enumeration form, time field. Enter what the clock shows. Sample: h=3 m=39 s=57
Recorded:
h=11 m=11 s=59
